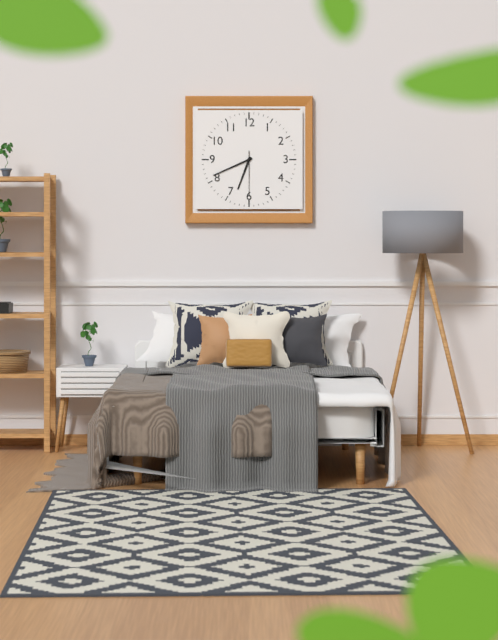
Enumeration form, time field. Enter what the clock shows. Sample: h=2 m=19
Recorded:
h=6 m=41
